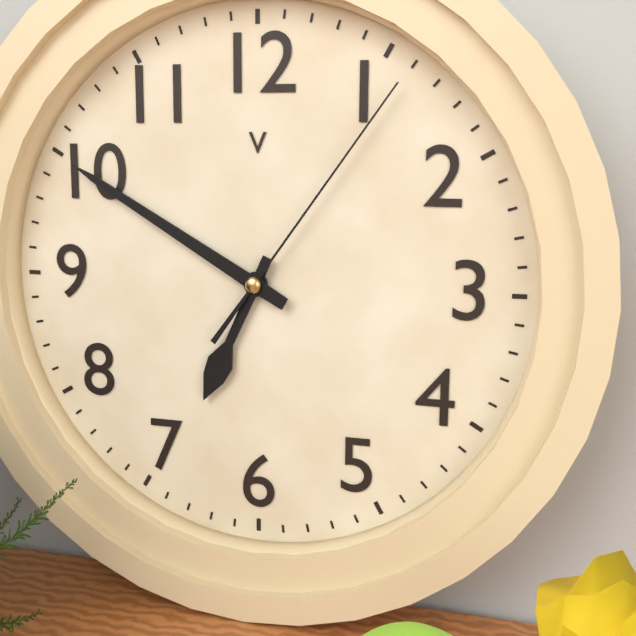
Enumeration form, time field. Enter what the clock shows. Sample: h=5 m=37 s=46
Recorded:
h=6 m=50 s=6
